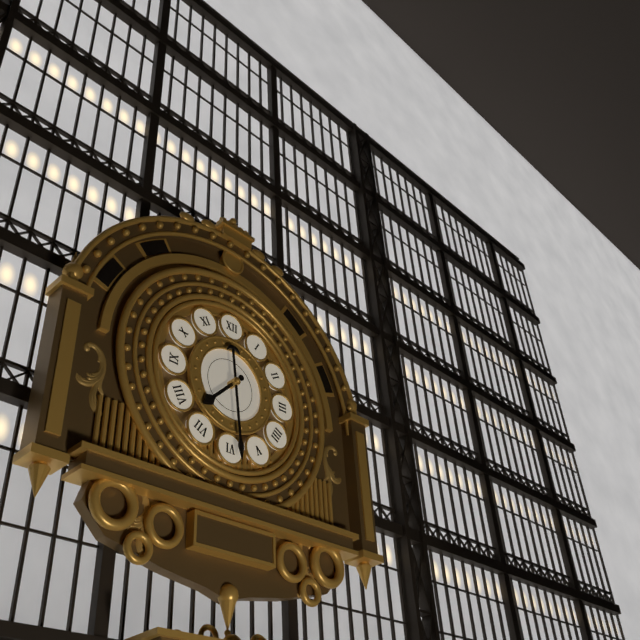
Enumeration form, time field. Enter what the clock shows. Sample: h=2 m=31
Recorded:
h=7 m=29
